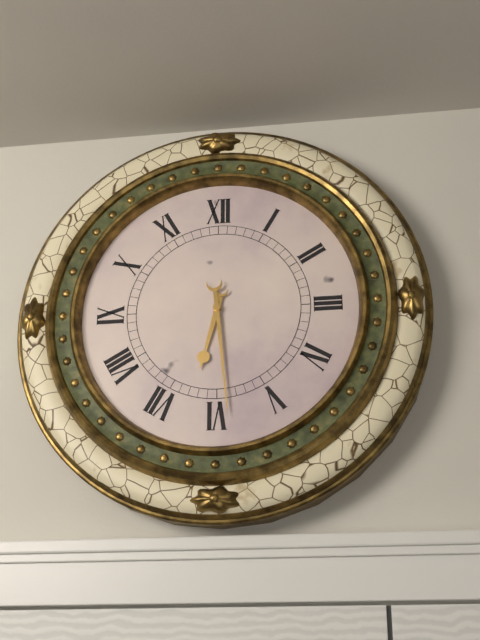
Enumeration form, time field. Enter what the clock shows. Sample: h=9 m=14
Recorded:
h=6 m=29
